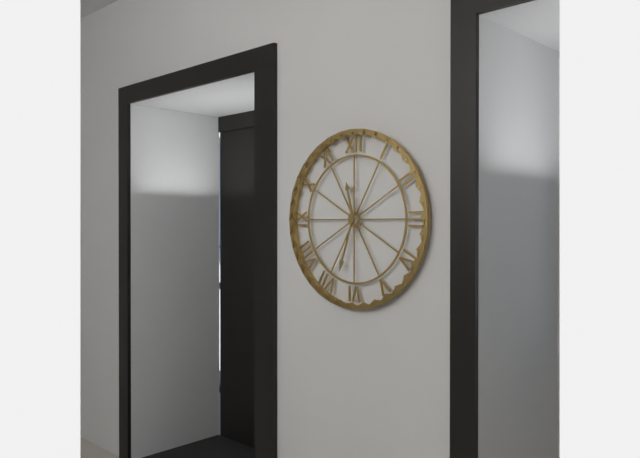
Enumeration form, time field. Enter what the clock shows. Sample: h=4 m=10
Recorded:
h=11 m=33
